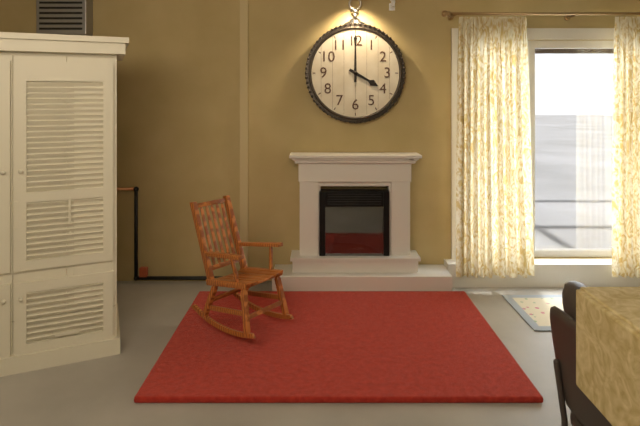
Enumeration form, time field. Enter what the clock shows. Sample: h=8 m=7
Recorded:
h=4 m=0
